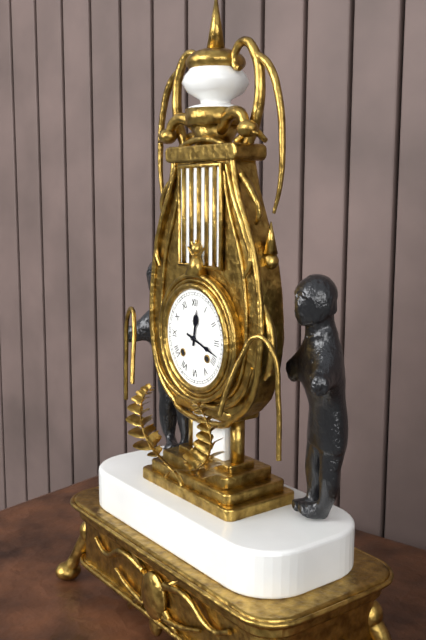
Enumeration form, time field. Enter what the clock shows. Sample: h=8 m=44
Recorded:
h=12 m=18
